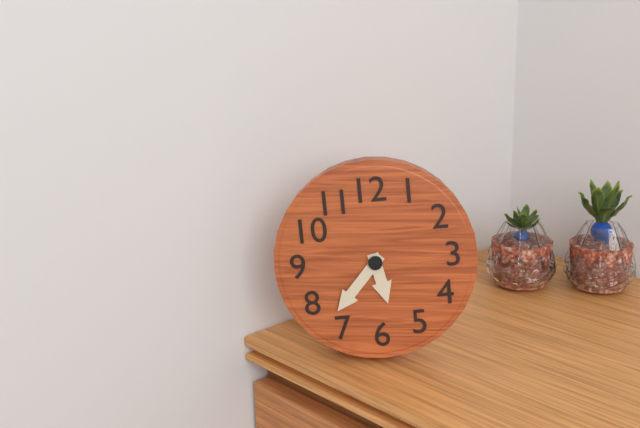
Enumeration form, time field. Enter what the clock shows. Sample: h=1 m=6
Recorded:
h=5 m=37
